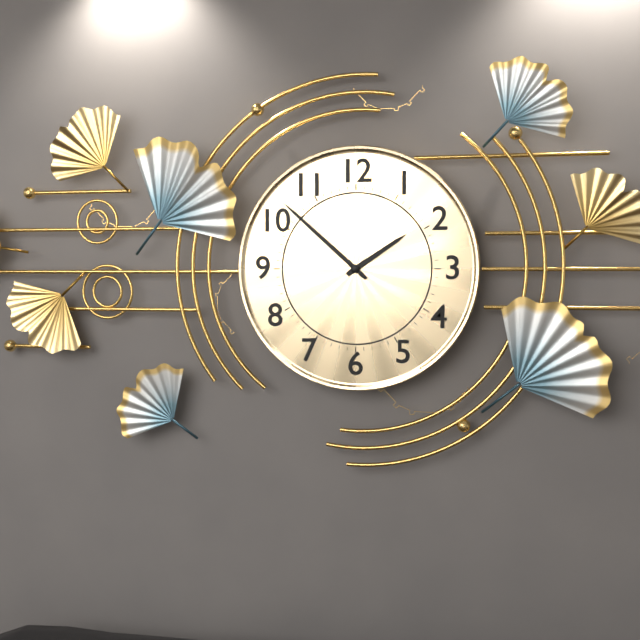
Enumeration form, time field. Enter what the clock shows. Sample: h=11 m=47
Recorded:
h=1 m=52
